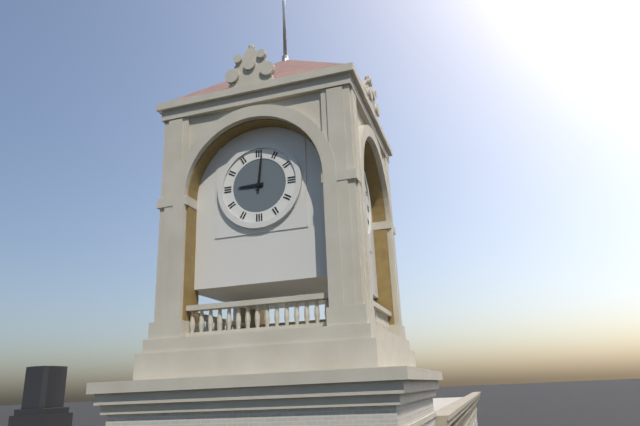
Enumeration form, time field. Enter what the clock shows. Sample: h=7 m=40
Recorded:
h=9 m=1
